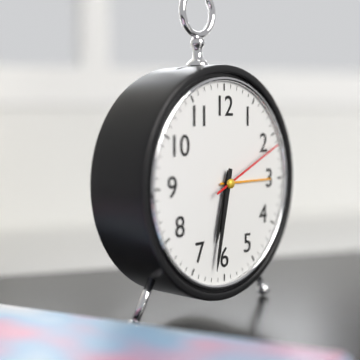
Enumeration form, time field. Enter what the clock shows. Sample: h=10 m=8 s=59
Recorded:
h=6 m=32 s=11
